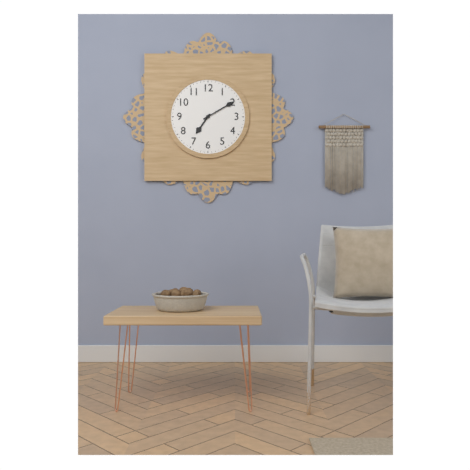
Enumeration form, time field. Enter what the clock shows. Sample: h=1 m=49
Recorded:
h=7 m=10
